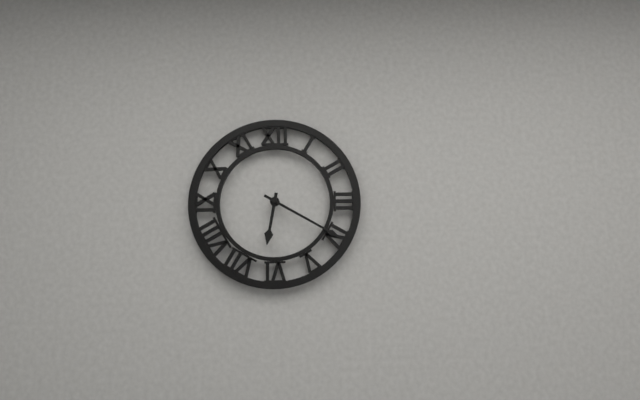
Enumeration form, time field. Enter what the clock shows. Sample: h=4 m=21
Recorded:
h=6 m=20
